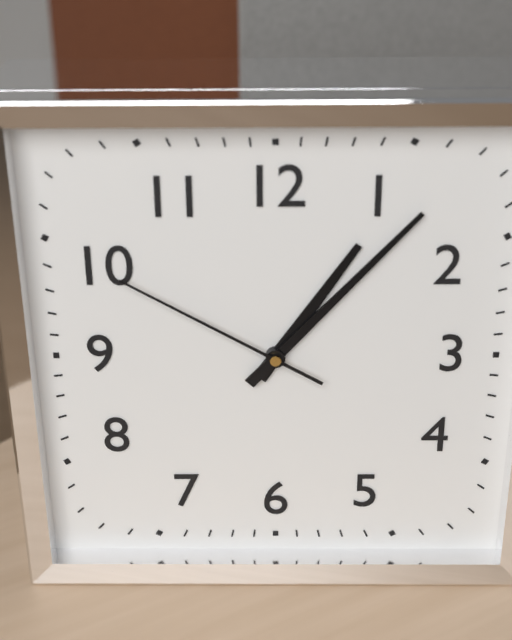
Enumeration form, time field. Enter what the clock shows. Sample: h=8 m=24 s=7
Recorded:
h=1 m=7 s=50
